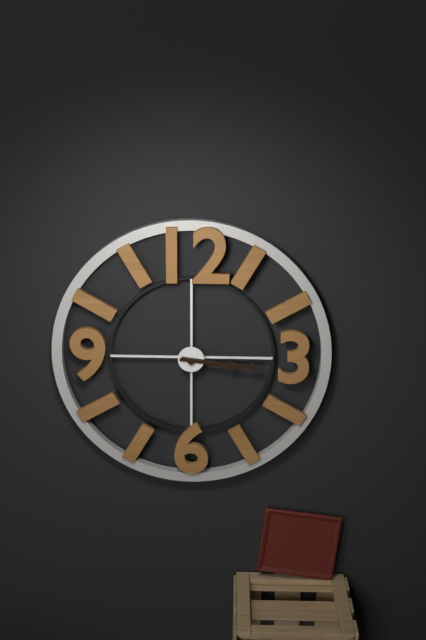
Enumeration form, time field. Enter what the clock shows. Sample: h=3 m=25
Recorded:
h=3 m=16
